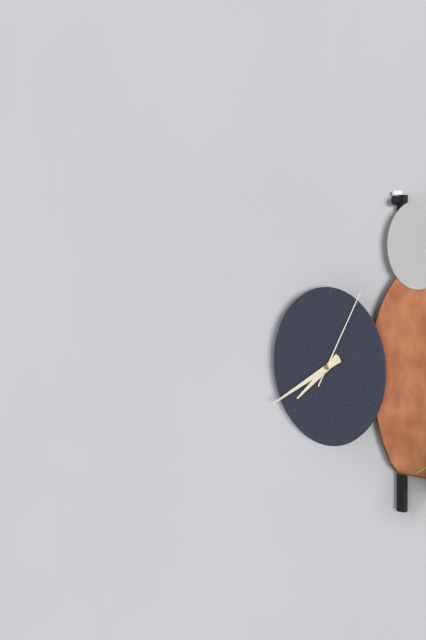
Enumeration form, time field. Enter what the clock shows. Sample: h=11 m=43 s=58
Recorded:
h=7 m=40 s=5
